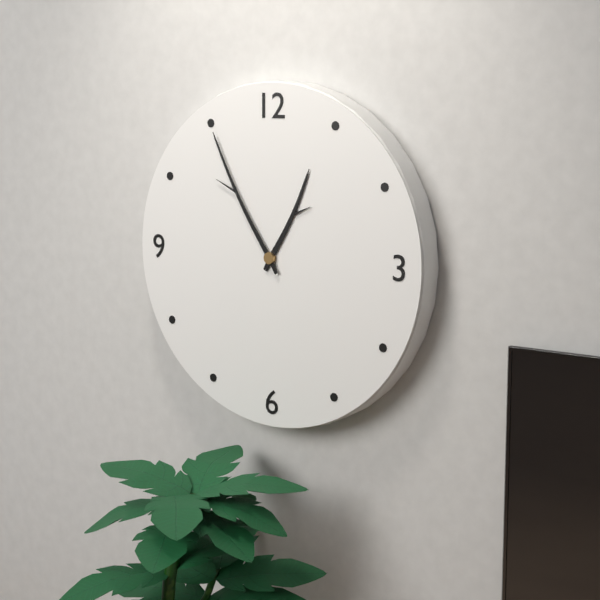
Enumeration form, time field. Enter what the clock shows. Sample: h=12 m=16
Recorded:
h=12 m=55
